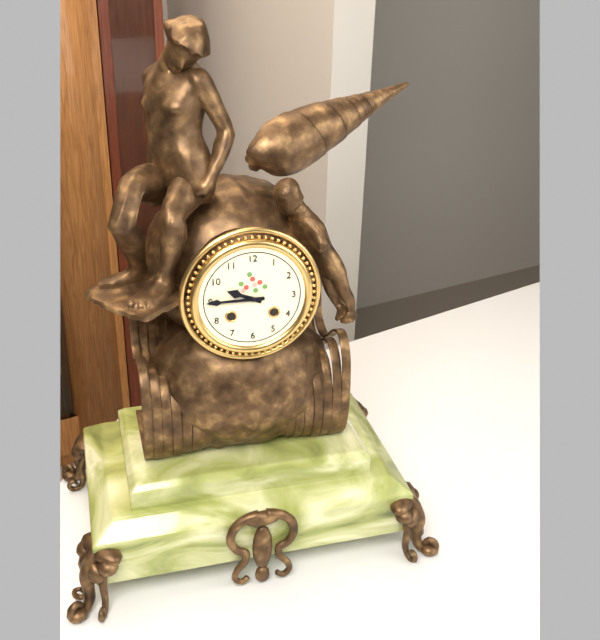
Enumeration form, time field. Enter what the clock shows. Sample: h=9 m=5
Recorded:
h=9 m=45
